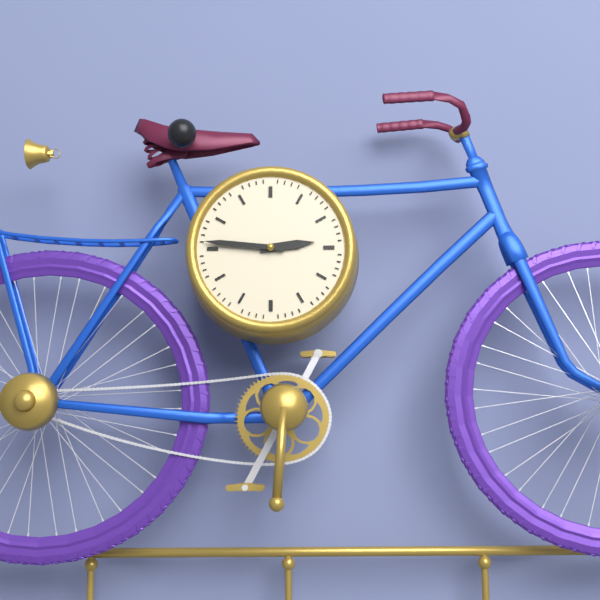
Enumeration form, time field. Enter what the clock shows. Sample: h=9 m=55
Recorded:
h=2 m=46
